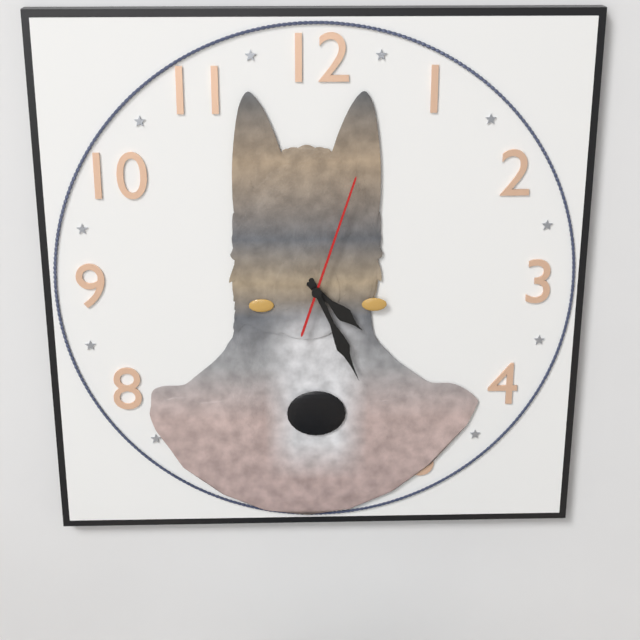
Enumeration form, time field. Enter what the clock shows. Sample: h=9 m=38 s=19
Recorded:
h=4 m=26 s=3
